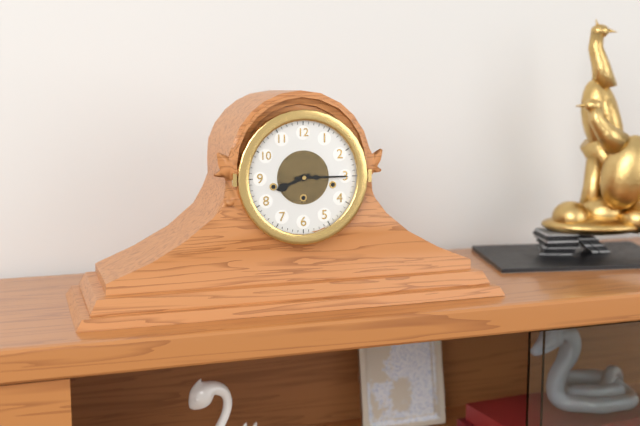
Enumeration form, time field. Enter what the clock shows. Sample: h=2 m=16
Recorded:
h=8 m=15
